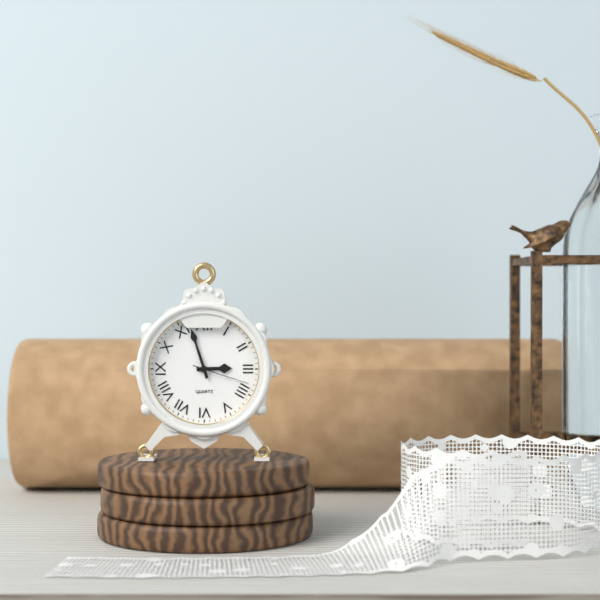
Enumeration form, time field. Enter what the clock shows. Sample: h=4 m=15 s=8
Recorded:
h=2 m=57 s=18
